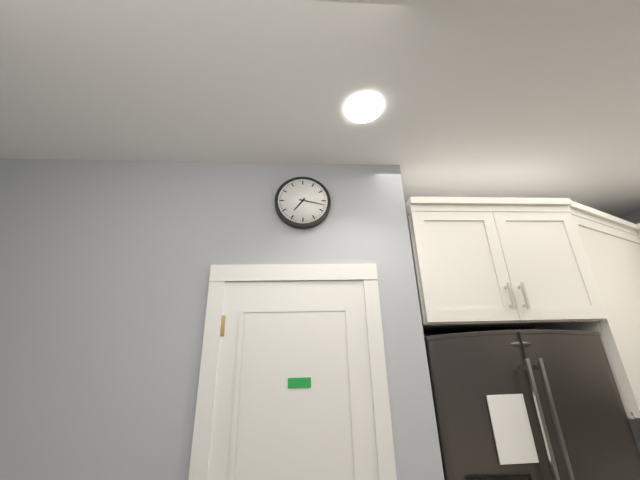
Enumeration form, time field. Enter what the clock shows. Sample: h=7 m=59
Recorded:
h=7 m=17
